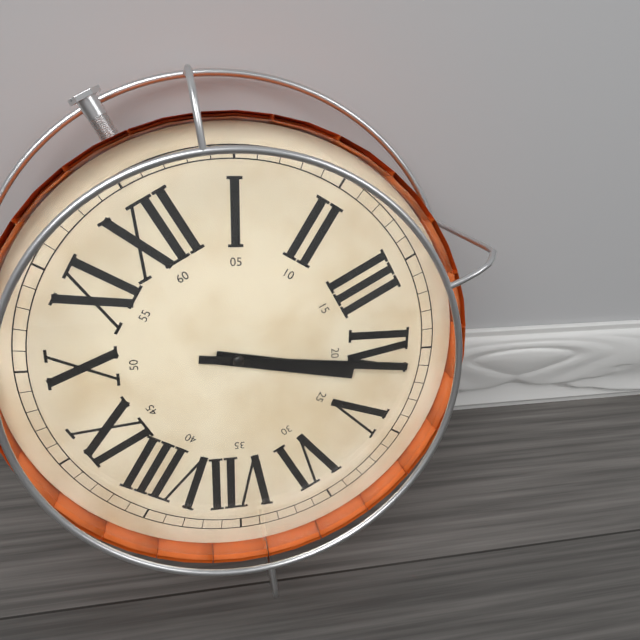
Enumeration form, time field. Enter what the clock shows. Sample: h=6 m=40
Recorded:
h=4 m=21
